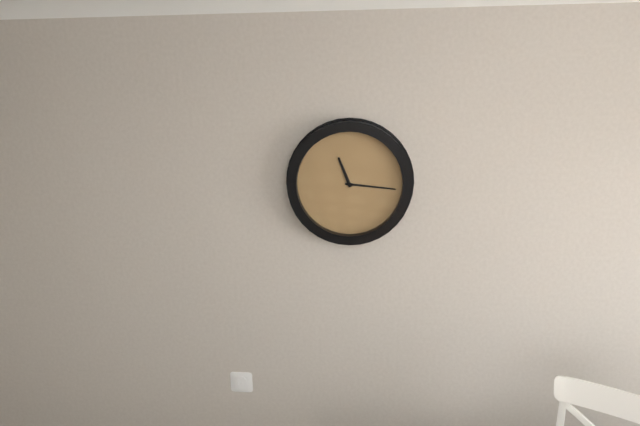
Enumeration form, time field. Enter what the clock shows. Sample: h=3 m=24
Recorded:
h=11 m=16
